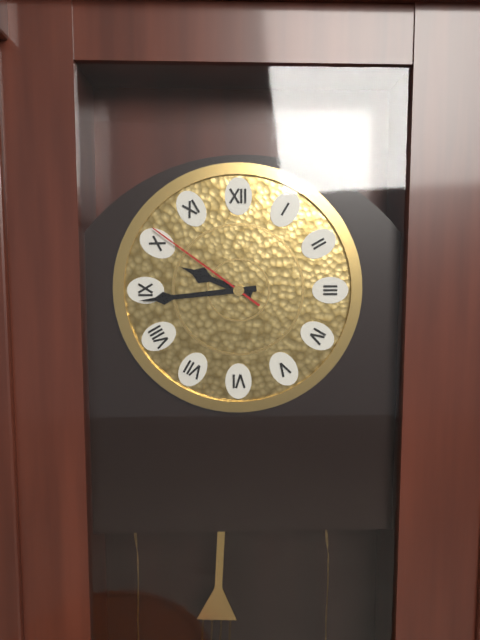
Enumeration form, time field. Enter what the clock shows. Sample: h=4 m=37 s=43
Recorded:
h=9 m=44 s=51
